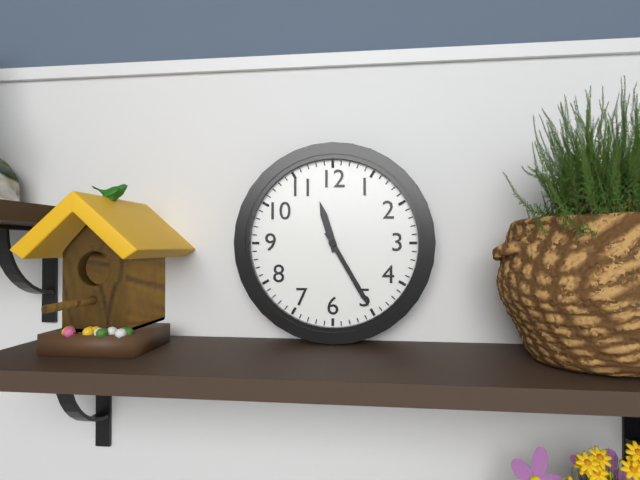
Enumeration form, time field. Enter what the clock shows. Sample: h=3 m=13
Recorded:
h=11 m=25
